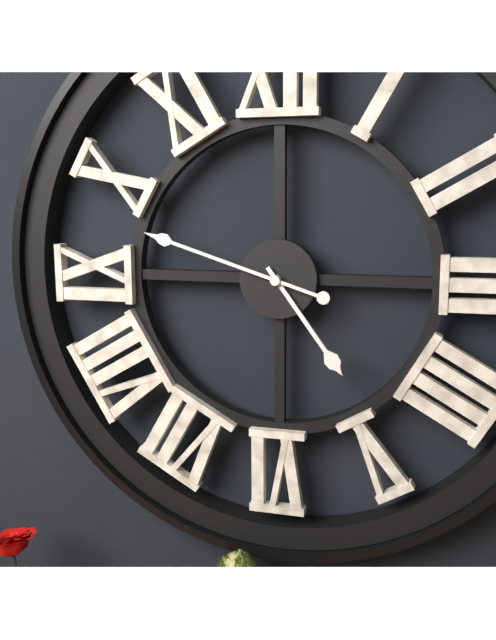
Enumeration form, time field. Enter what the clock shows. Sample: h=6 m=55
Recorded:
h=4 m=48
